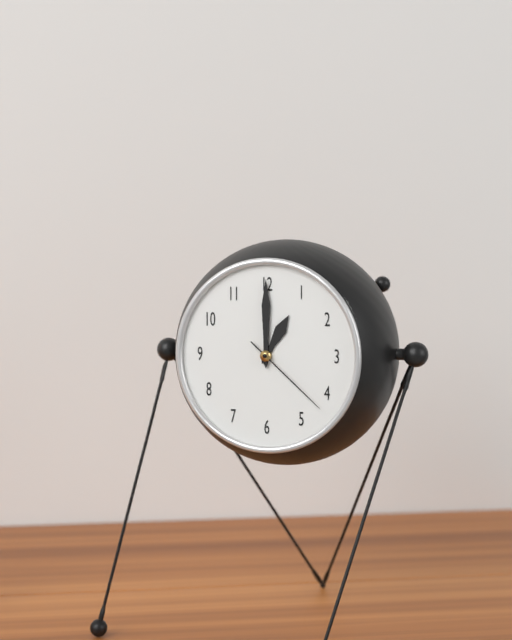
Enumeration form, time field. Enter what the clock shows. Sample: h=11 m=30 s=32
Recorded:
h=1 m=0 s=22
